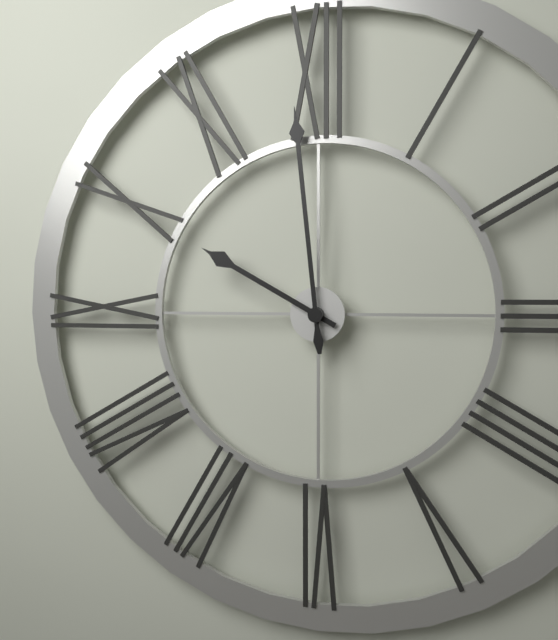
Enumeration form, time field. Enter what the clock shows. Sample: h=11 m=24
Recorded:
h=9 m=59
